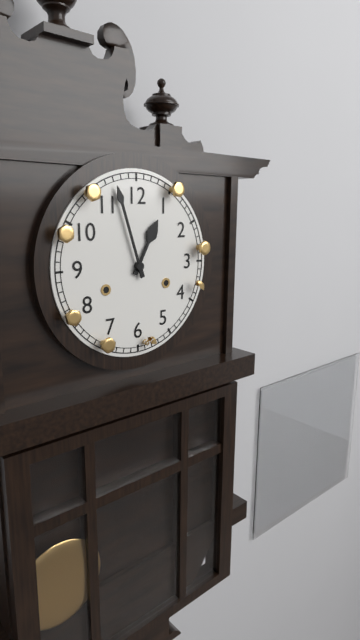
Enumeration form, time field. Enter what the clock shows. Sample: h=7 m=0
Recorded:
h=12 m=57
